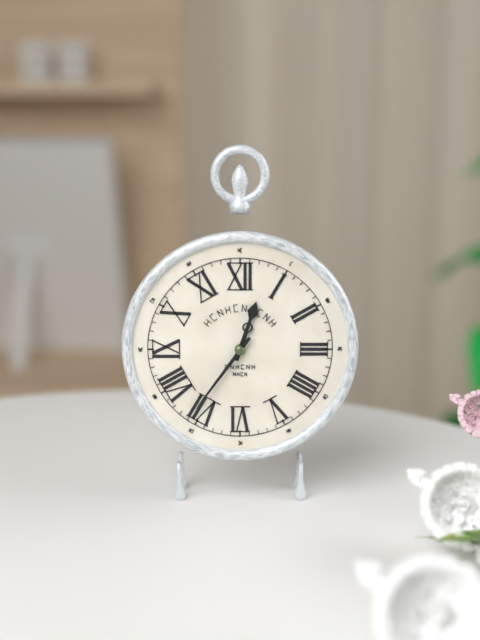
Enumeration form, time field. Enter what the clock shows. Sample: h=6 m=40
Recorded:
h=12 m=36
